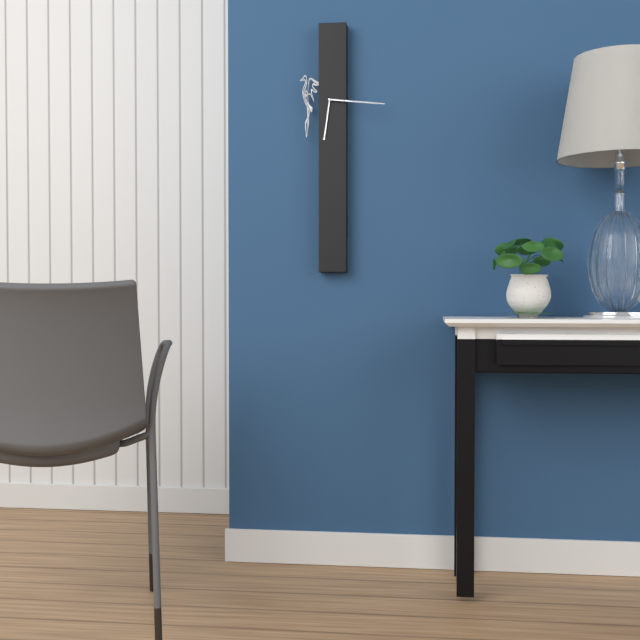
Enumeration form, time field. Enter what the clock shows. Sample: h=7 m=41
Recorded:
h=6 m=16
